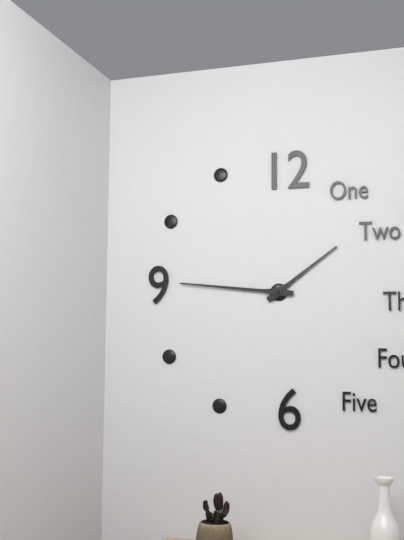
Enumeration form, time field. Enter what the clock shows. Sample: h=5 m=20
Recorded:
h=1 m=46
